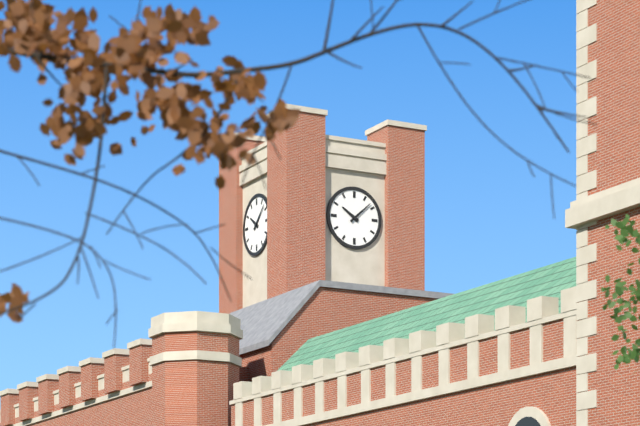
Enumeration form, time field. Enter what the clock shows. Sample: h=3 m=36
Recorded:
h=10 m=8
